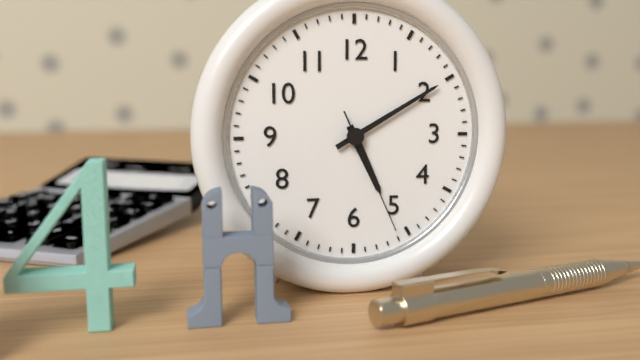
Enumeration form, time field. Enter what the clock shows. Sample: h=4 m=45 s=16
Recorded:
h=5 m=10 s=26
